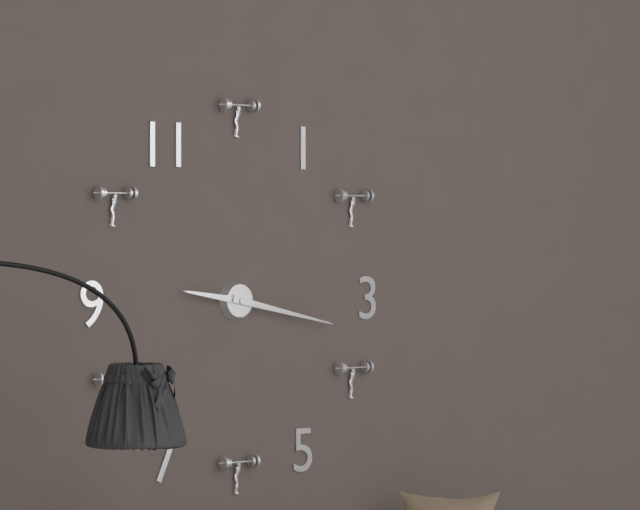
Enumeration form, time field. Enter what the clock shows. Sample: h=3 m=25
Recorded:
h=9 m=17
